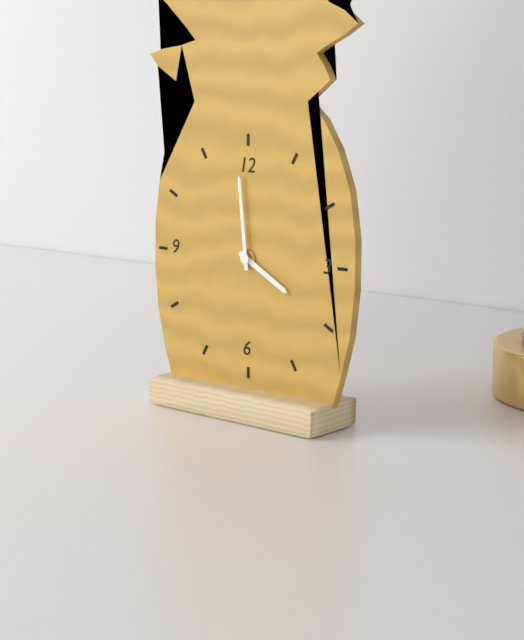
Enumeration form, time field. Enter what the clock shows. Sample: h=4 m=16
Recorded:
h=3 m=59
